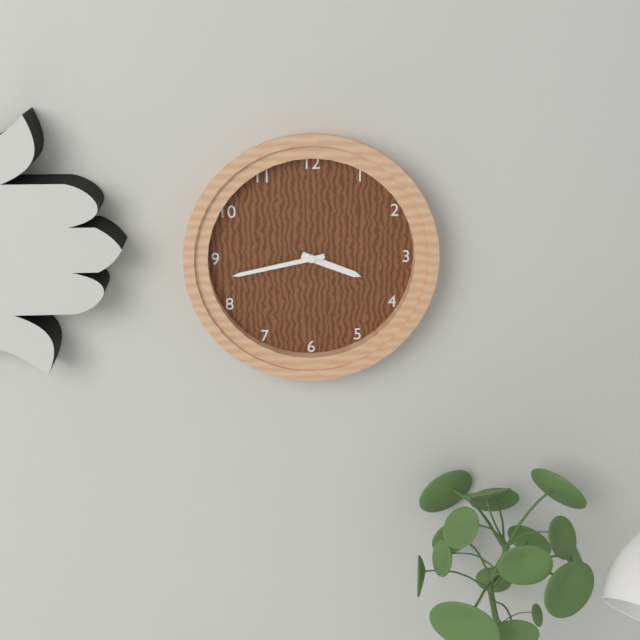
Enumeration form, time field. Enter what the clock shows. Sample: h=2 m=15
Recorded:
h=3 m=43
